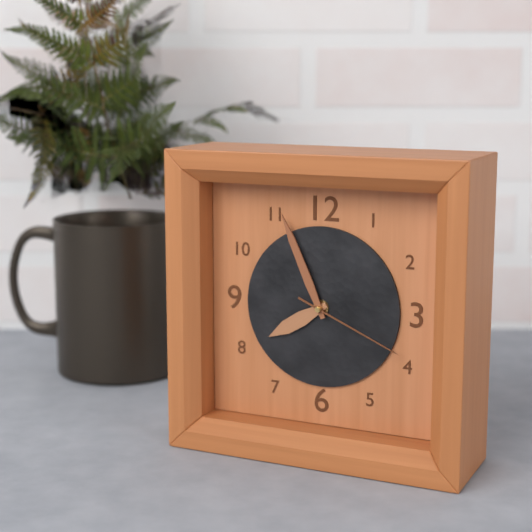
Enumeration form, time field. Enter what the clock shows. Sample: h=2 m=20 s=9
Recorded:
h=7 m=56 s=19
